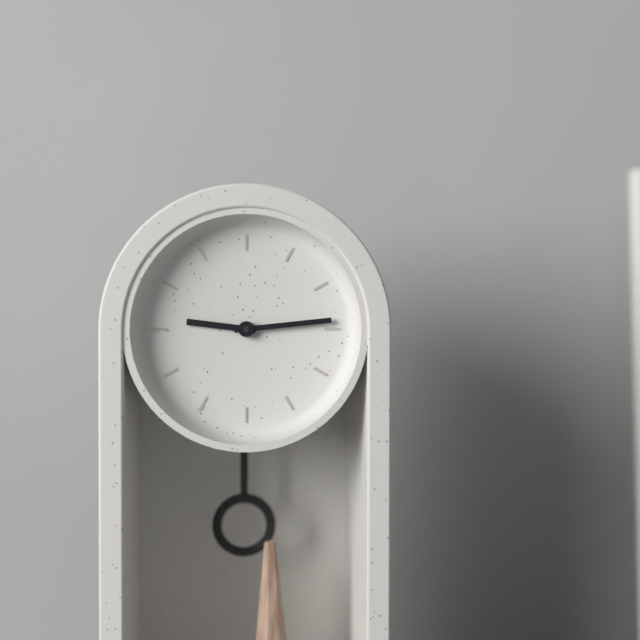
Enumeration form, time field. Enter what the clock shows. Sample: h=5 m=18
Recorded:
h=9 m=14
